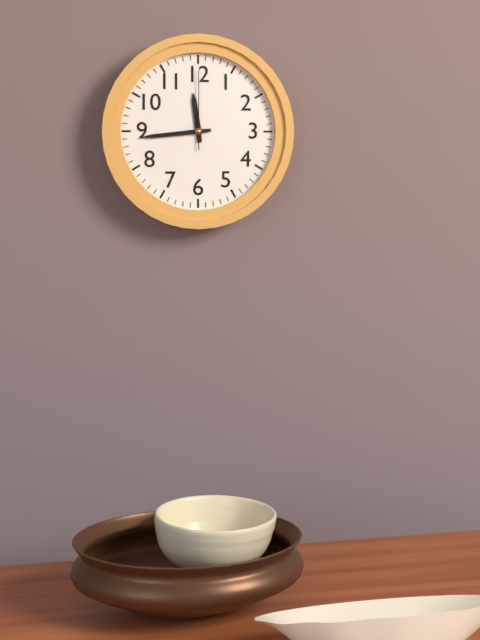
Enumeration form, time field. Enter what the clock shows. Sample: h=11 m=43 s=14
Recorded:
h=11 m=44 s=0
